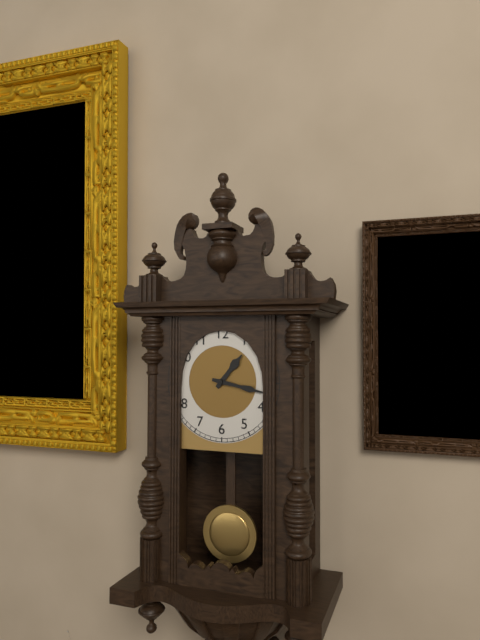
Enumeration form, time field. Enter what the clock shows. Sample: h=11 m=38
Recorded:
h=1 m=17
